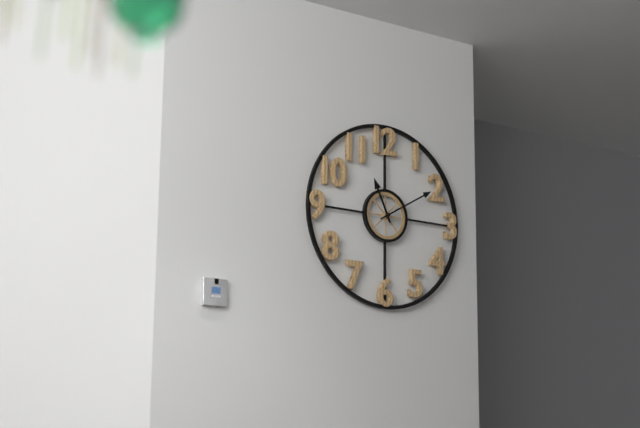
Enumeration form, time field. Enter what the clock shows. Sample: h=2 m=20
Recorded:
h=11 m=10
